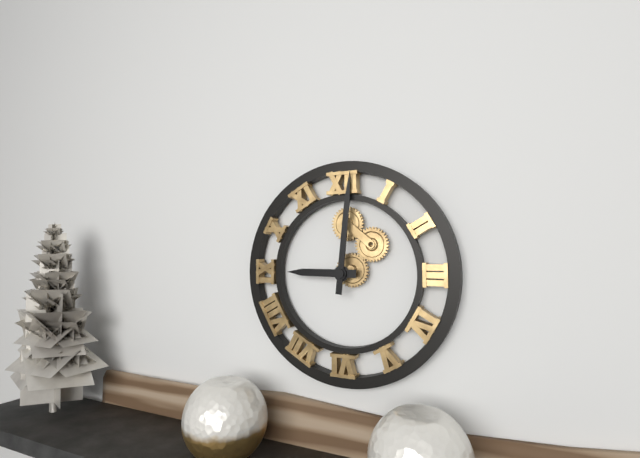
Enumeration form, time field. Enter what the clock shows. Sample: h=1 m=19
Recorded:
h=9 m=1
